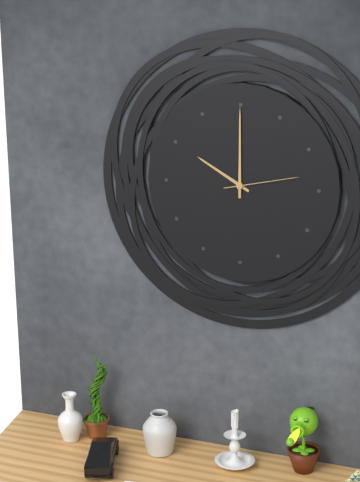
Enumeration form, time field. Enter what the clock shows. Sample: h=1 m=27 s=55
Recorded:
h=10 m=0 s=13
